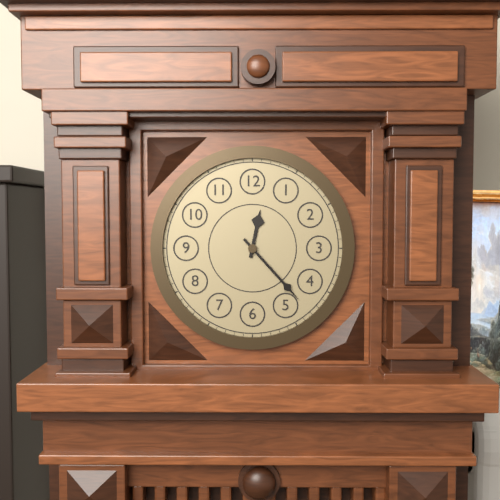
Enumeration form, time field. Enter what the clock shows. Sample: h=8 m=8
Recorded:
h=12 m=23
